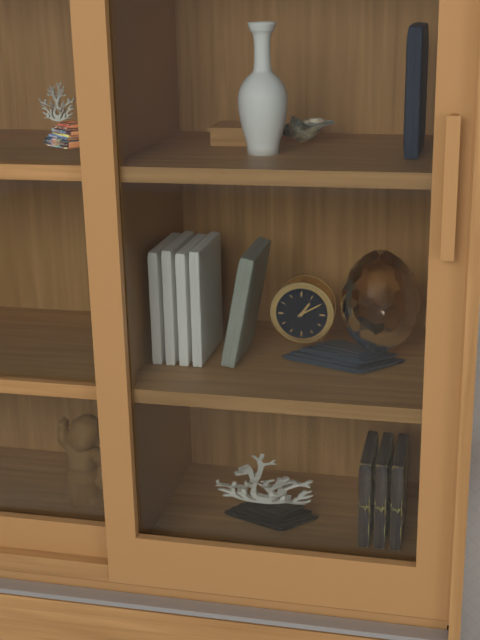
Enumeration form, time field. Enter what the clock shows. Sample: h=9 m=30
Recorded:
h=1 m=10
